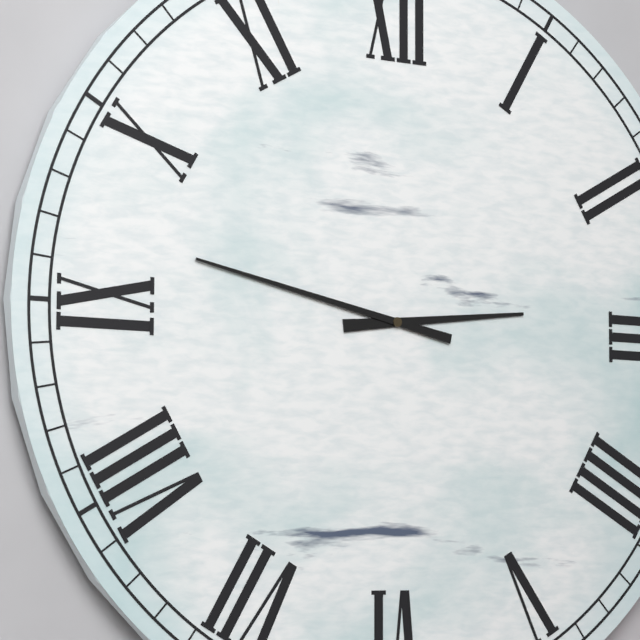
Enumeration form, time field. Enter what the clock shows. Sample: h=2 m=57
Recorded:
h=2 m=47
